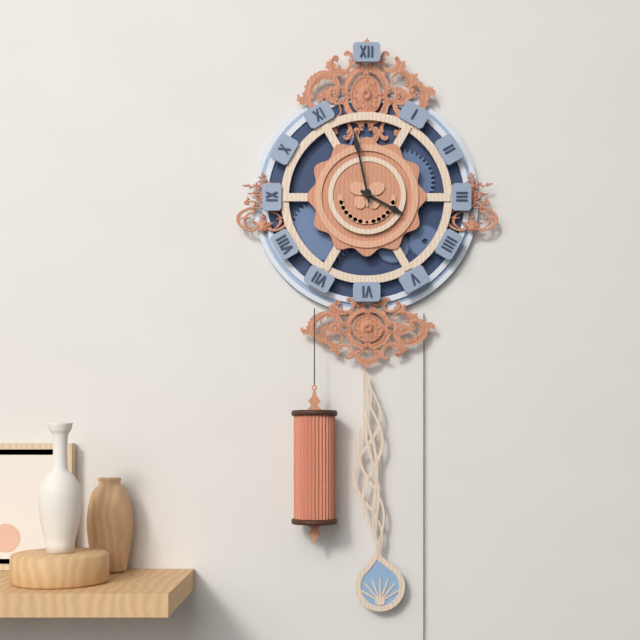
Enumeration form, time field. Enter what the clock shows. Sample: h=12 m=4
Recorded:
h=3 m=58
